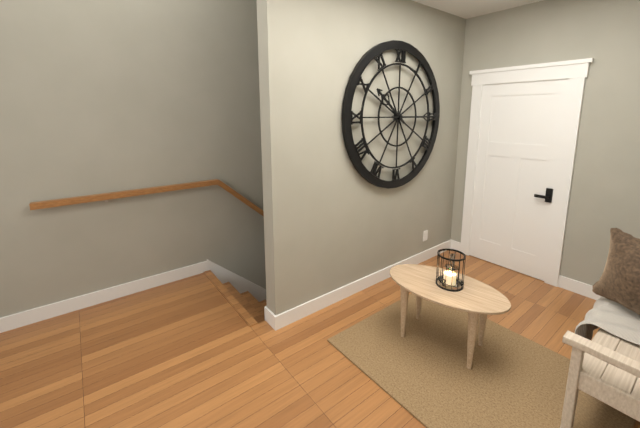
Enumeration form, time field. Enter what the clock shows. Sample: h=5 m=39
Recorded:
h=10 m=15
